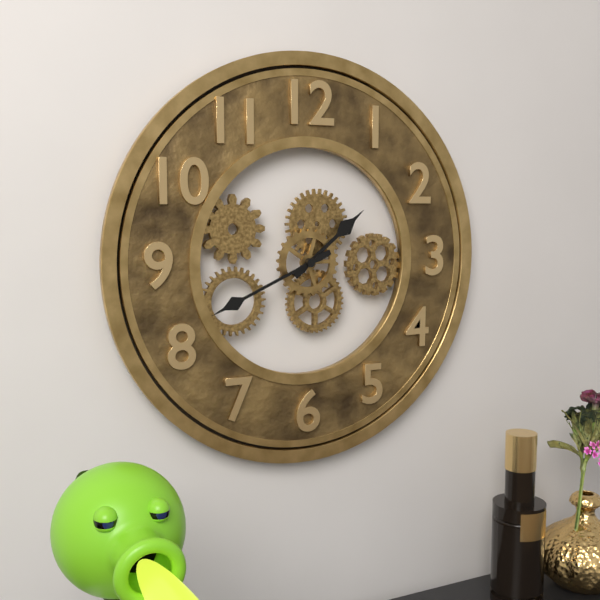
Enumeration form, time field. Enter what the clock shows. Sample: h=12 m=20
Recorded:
h=1 m=41
